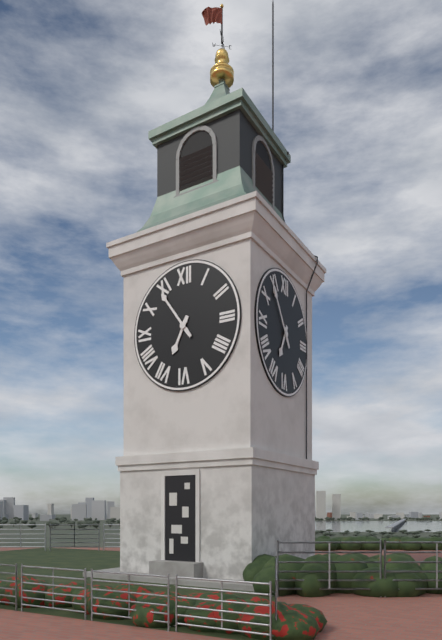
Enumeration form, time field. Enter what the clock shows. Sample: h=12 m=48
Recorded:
h=6 m=54
